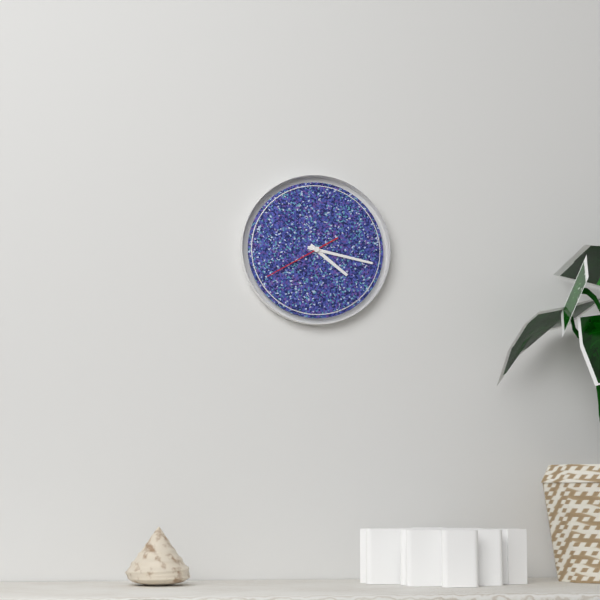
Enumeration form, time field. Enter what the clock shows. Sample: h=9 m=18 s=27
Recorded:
h=4 m=17 s=40
